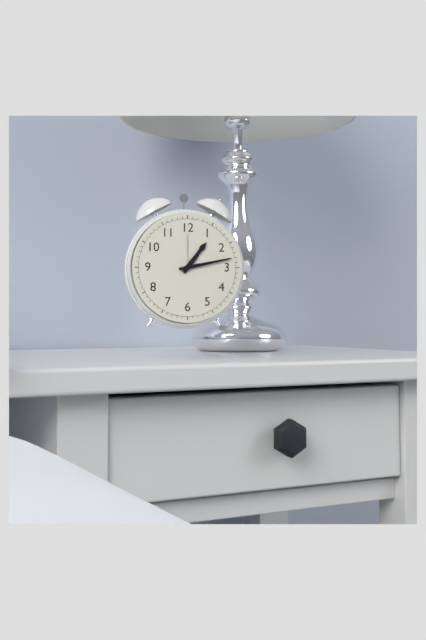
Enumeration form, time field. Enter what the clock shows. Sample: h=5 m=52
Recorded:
h=1 m=13
